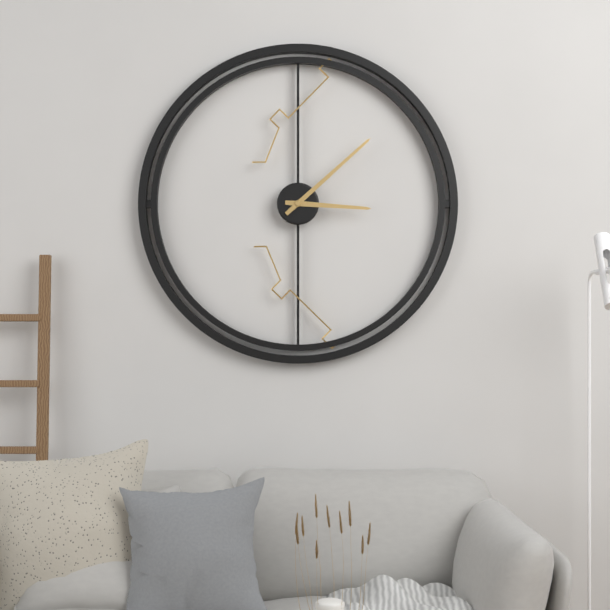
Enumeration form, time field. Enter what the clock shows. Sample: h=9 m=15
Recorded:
h=3 m=8
